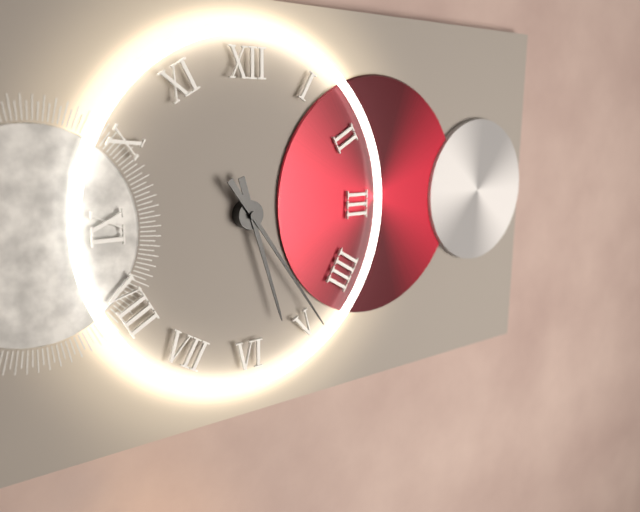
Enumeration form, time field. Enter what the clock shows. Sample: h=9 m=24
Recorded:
h=5 m=24
